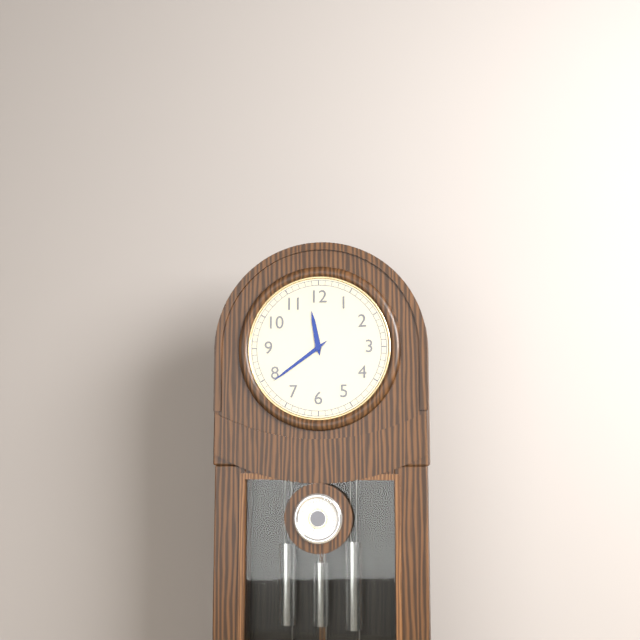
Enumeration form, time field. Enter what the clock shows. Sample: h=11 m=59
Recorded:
h=11 m=39
